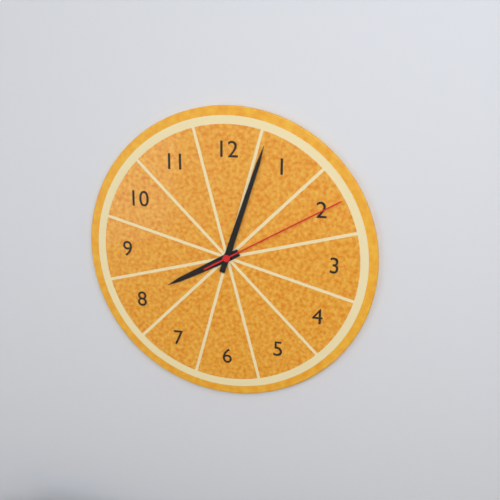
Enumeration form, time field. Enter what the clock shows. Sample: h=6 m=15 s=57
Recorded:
h=8 m=3 s=10
